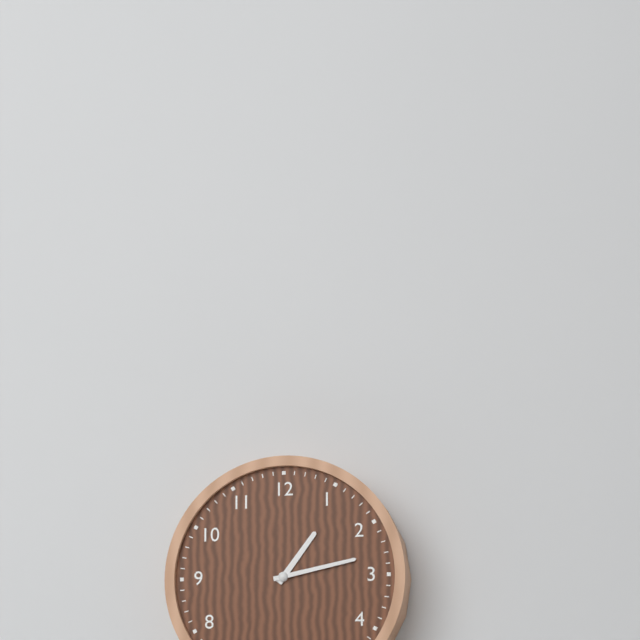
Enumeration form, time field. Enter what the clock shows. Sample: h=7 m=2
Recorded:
h=1 m=13
